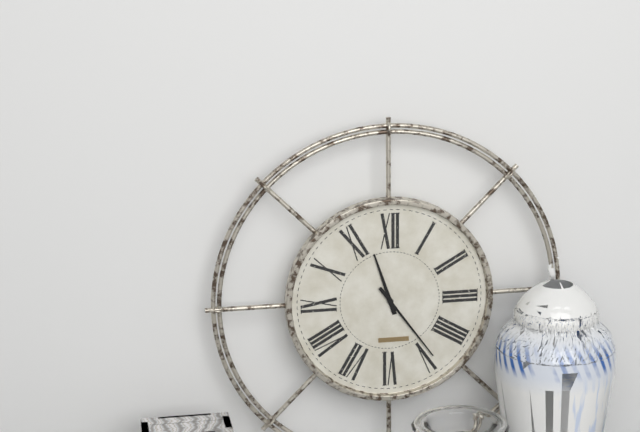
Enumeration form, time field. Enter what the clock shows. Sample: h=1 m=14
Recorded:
h=11 m=24
